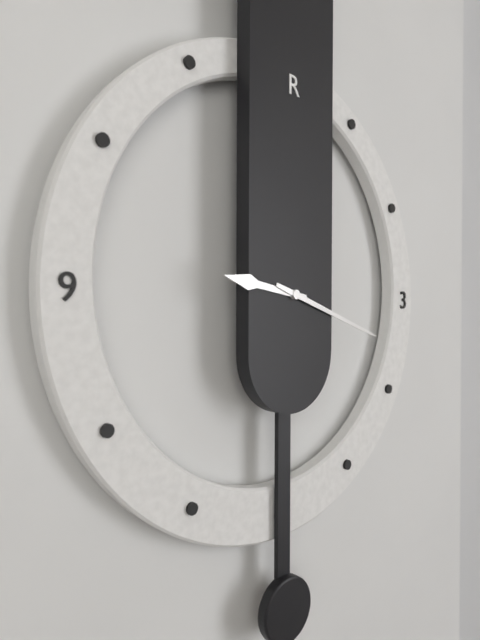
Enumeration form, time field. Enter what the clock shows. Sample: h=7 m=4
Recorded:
h=9 m=18
